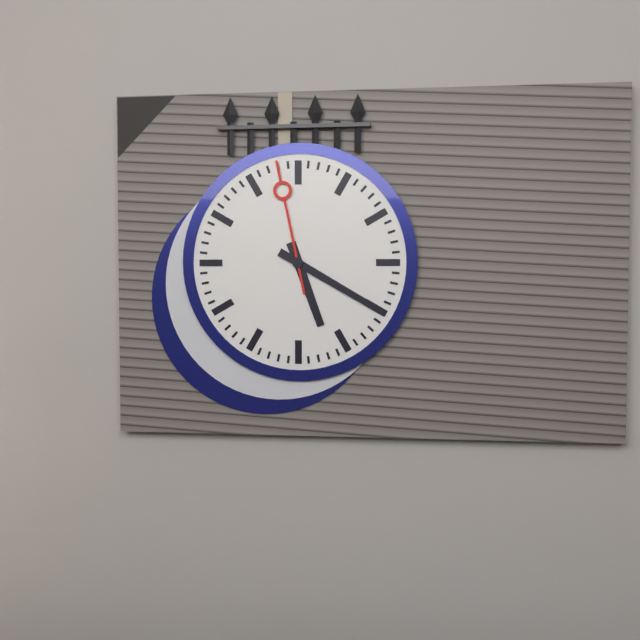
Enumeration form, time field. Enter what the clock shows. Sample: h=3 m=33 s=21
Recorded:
h=5 m=20 s=58
